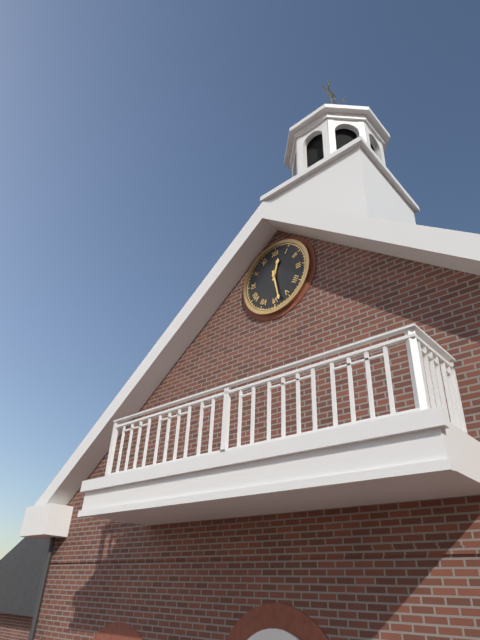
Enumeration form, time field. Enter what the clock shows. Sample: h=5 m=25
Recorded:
h=12 m=28
